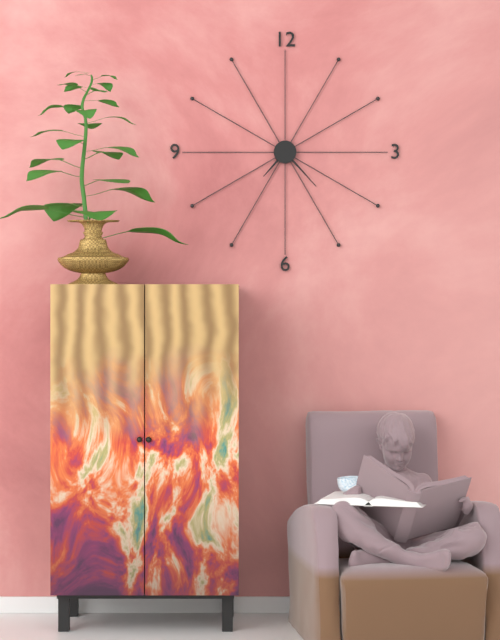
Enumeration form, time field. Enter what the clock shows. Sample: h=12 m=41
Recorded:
h=7 m=23
